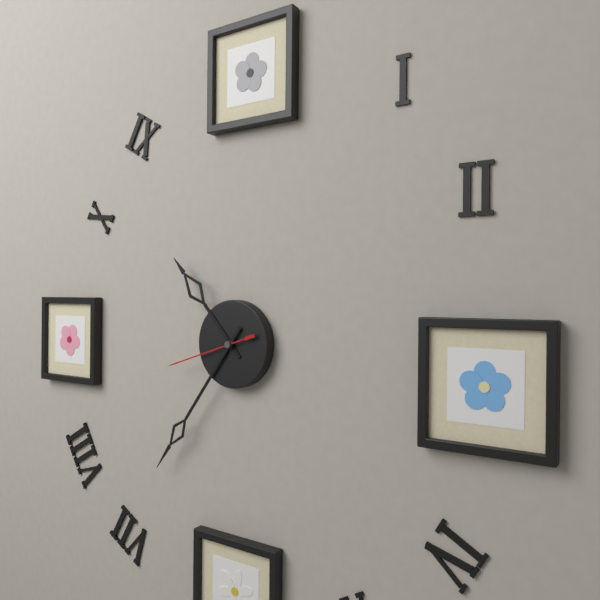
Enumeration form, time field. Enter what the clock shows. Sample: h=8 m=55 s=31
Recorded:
h=10 m=36 s=42
